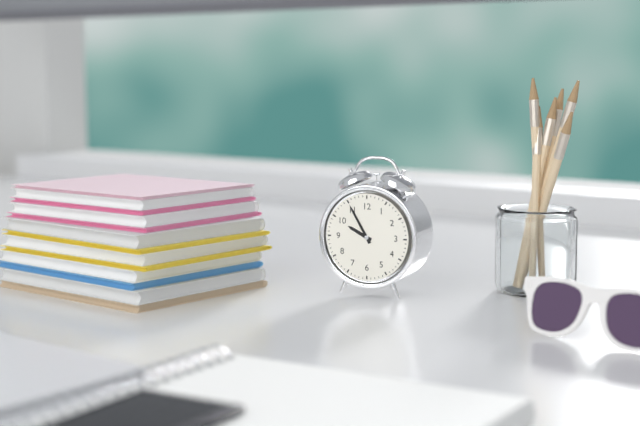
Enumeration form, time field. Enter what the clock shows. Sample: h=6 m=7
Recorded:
h=9 m=55
